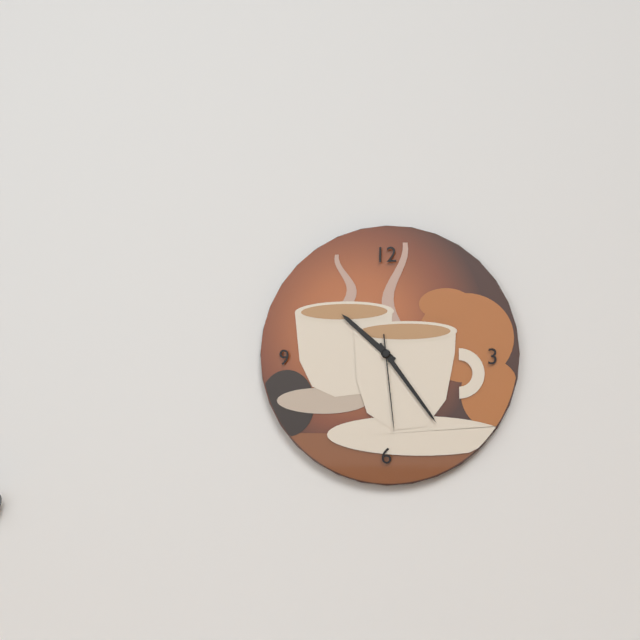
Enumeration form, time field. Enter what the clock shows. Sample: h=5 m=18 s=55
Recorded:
h=10 m=24 s=29
